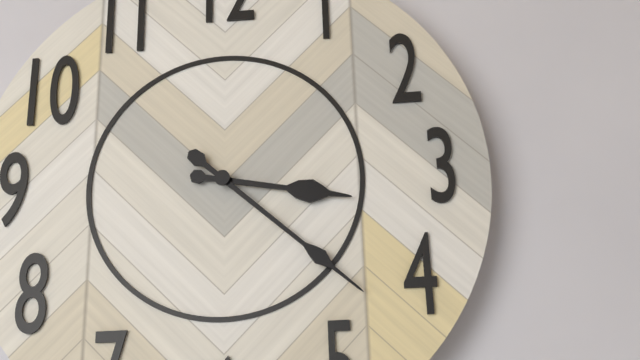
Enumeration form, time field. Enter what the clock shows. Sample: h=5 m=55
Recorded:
h=3 m=22
